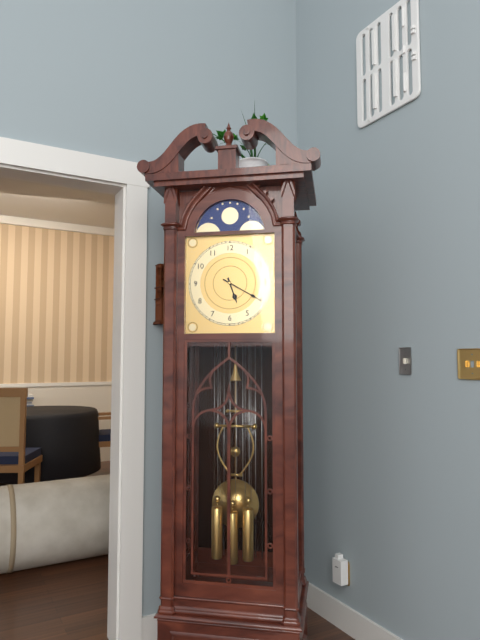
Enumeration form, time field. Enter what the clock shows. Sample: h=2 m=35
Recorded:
h=5 m=20
